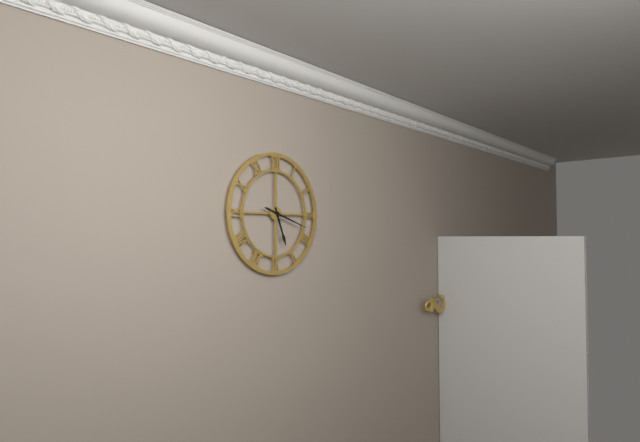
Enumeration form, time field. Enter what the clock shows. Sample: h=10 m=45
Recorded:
h=5 m=18
